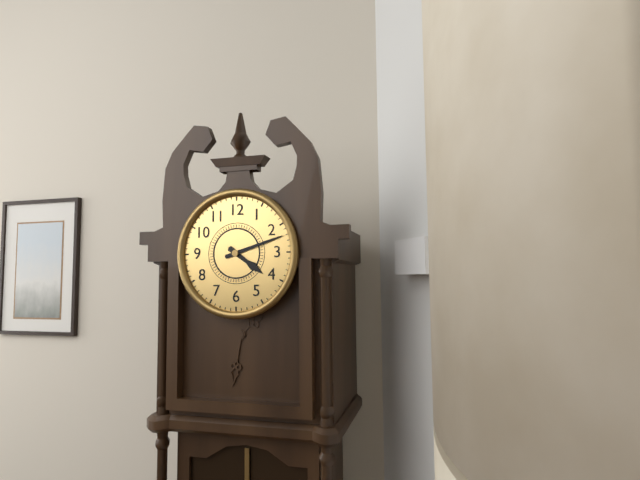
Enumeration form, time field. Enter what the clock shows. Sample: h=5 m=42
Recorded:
h=4 m=12
